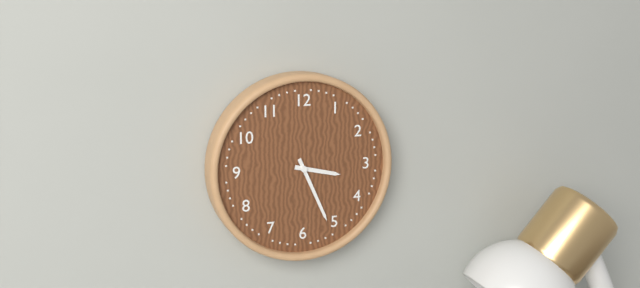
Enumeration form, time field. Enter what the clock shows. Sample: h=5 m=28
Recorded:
h=3 m=26
